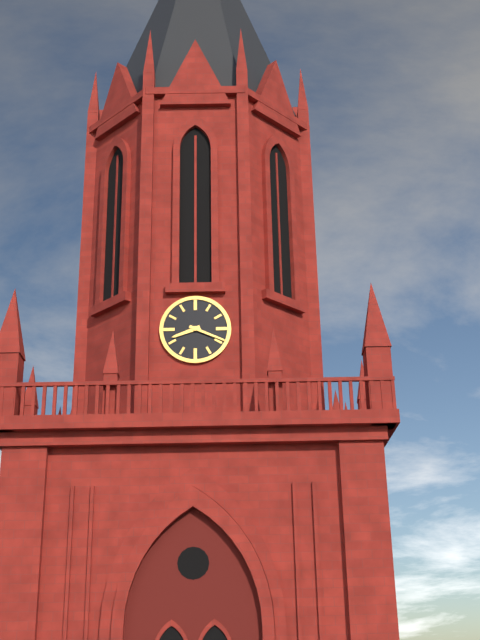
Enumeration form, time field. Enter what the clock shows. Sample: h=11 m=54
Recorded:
h=8 m=19
